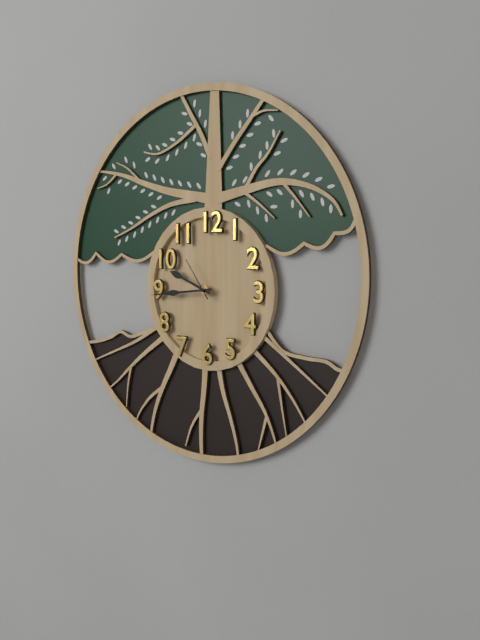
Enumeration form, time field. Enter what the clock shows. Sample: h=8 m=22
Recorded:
h=9 m=44
